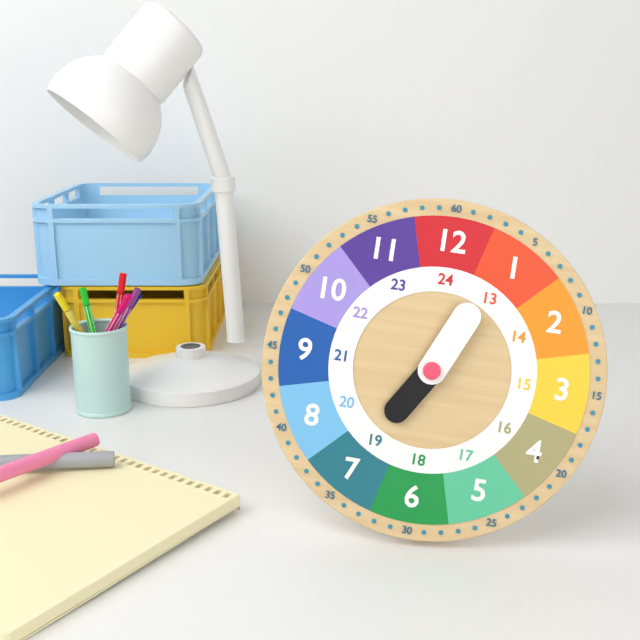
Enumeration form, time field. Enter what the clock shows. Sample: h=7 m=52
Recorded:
h=7 m=4
